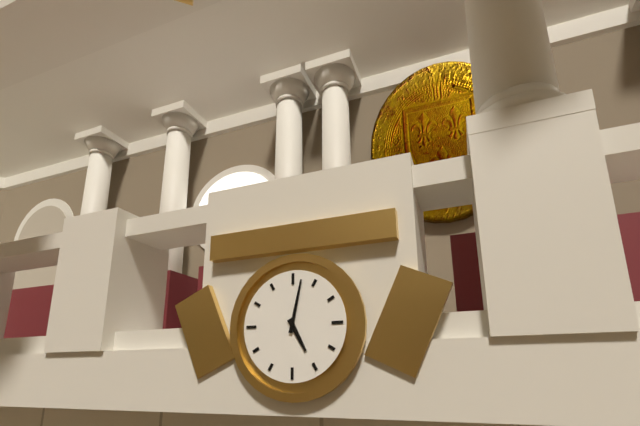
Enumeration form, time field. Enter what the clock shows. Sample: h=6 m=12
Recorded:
h=5 m=2
